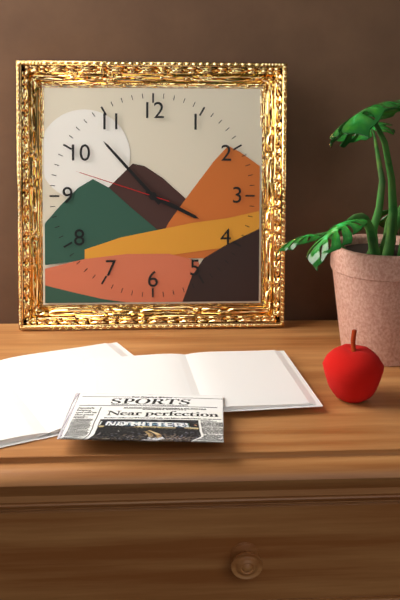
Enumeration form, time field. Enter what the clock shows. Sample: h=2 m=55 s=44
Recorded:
h=3 m=53 s=48
